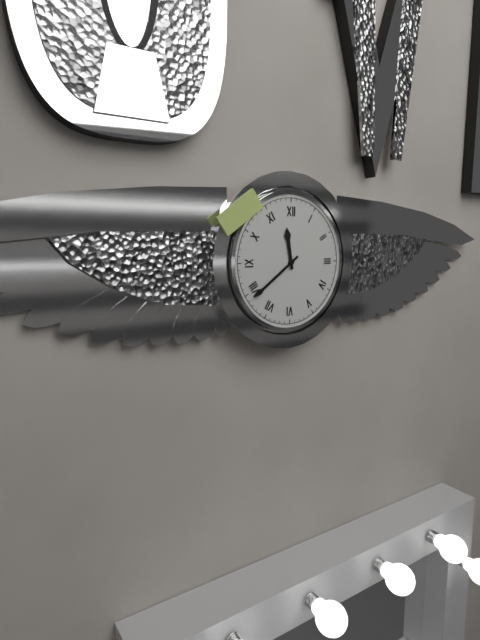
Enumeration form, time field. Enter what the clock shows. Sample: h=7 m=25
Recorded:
h=11 m=39
